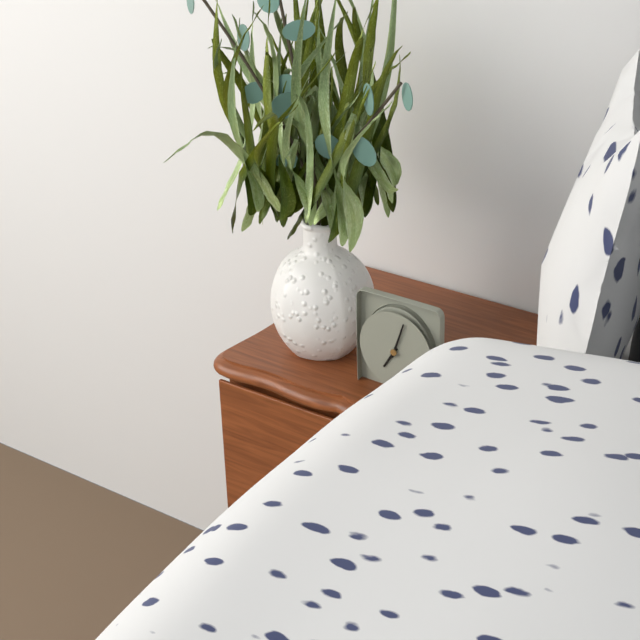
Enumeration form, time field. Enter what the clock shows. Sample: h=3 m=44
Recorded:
h=7 m=3
